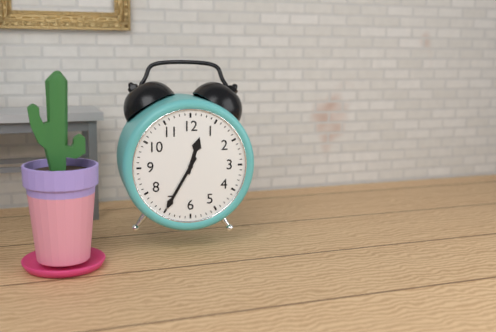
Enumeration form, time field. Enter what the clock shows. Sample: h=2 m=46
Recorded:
h=12 m=35
